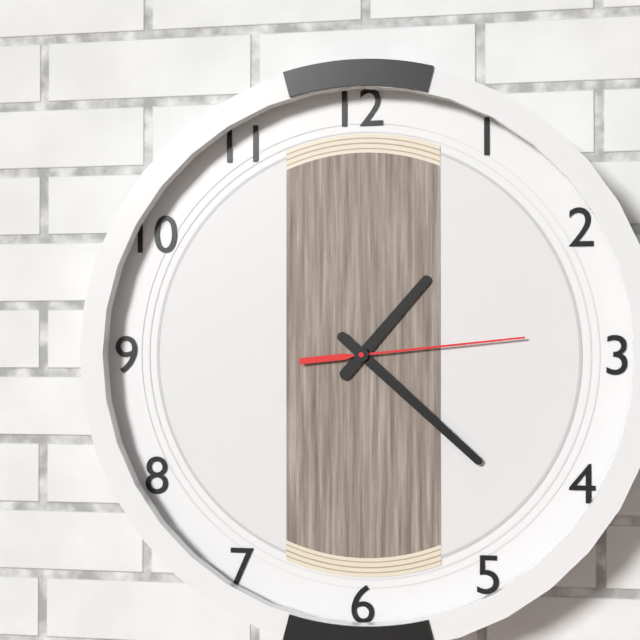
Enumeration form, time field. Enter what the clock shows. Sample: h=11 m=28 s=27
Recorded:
h=1 m=22 s=14
